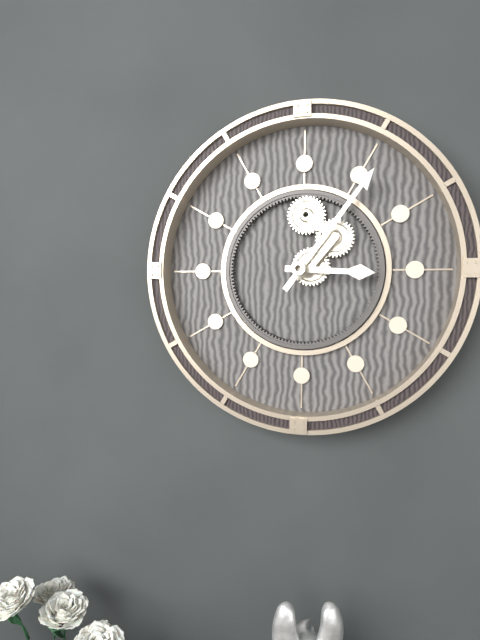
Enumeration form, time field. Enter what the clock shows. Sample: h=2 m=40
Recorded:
h=3 m=6
